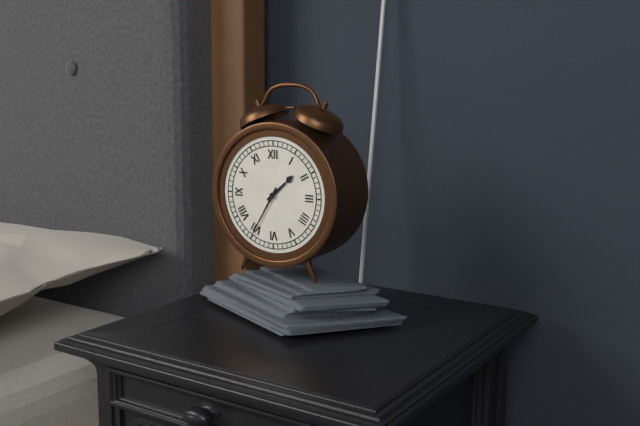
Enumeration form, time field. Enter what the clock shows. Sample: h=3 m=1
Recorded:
h=1 m=35
